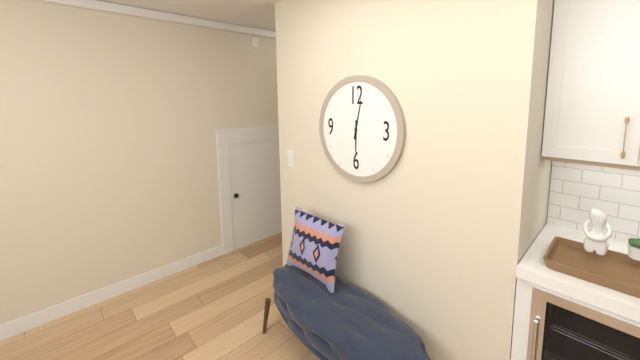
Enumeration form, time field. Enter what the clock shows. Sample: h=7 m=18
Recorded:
h=6 m=2
